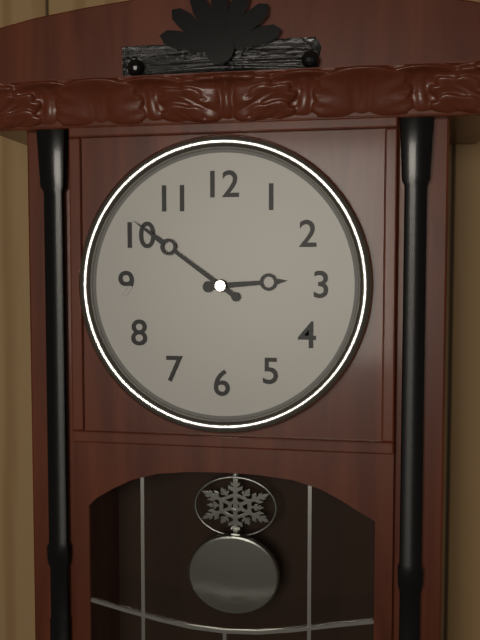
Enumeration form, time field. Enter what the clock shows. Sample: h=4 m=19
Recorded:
h=2 m=51
